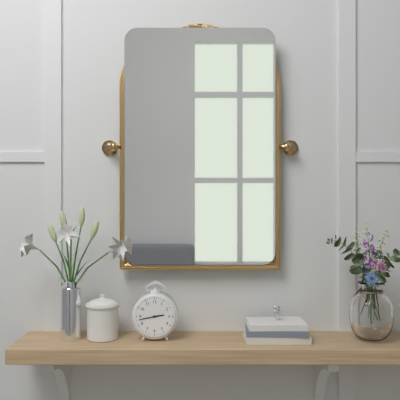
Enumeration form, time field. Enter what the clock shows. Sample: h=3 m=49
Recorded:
h=2 m=43
